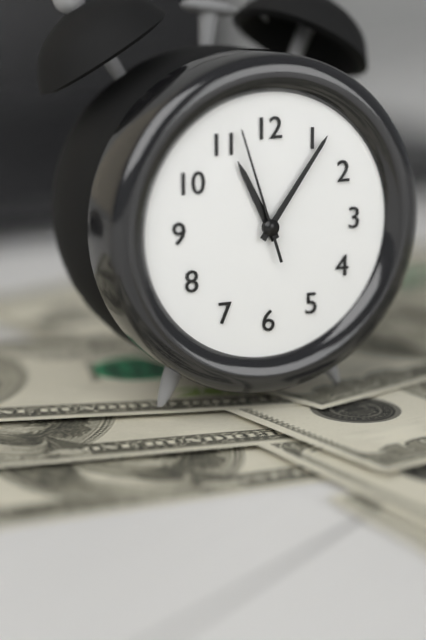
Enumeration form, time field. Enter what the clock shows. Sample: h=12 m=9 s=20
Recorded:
h=11 m=6 s=57
